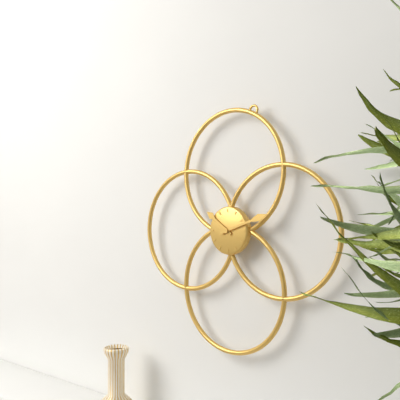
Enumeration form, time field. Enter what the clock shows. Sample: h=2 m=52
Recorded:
h=10 m=12
